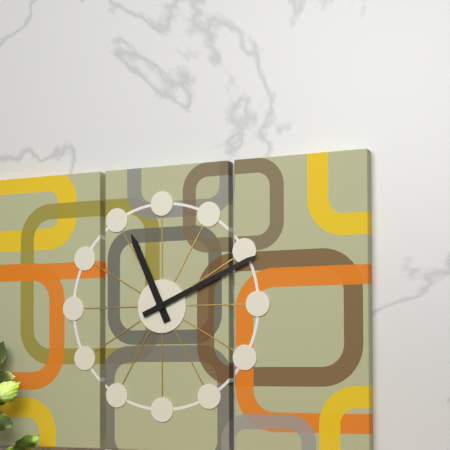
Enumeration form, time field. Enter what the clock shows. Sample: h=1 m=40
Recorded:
h=11 m=11
